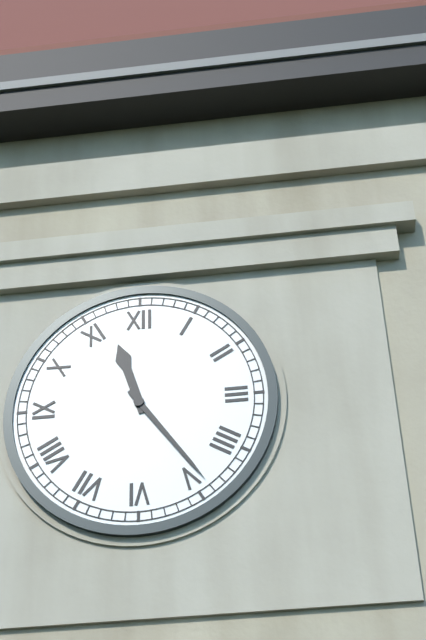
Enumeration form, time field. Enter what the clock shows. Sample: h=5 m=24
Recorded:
h=11 m=24
